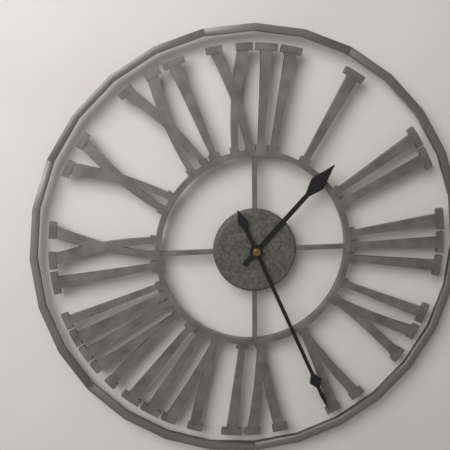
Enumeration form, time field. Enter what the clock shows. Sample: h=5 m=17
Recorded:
h=1 m=26
